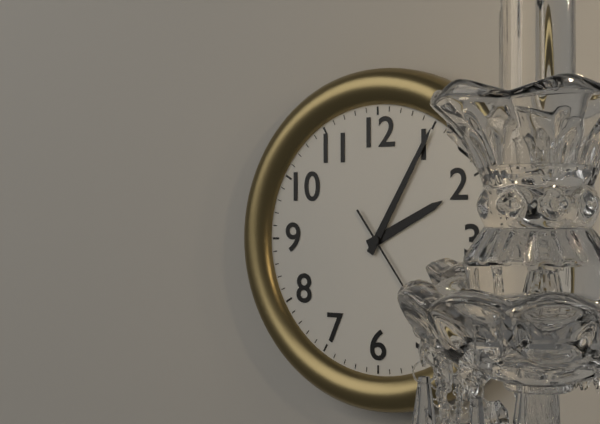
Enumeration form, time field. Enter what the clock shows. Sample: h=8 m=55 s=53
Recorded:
h=2 m=5 s=24
